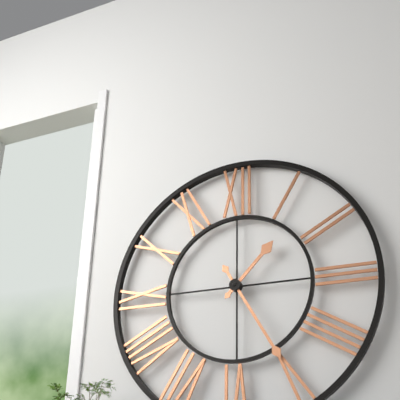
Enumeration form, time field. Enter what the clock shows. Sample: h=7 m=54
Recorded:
h=1 m=25
